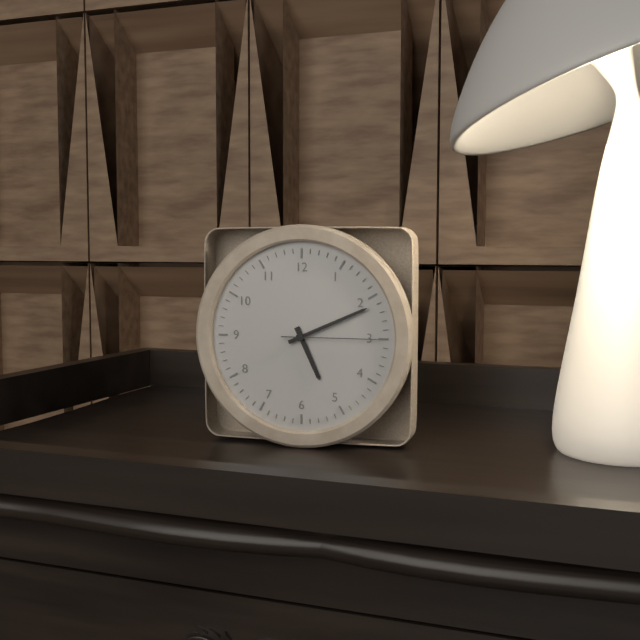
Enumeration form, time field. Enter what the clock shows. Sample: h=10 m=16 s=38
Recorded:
h=5 m=11 s=15
